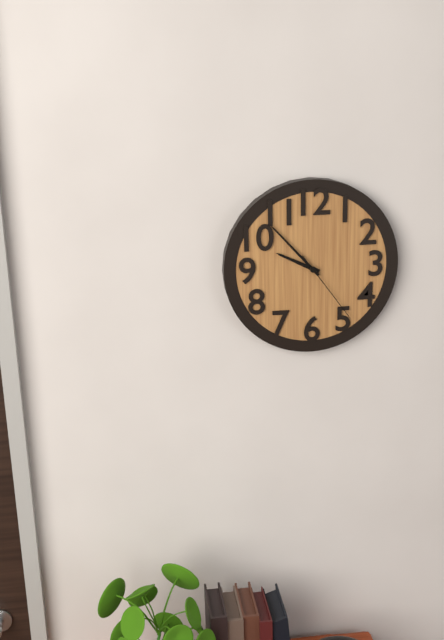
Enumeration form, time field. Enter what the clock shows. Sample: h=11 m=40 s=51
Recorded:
h=9 m=53 s=24
